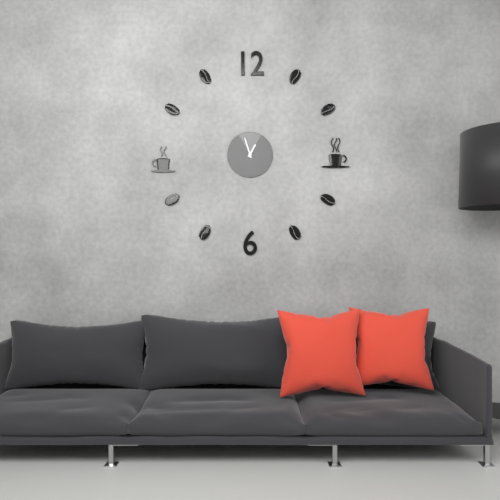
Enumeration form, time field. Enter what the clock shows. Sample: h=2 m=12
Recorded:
h=12 m=57
